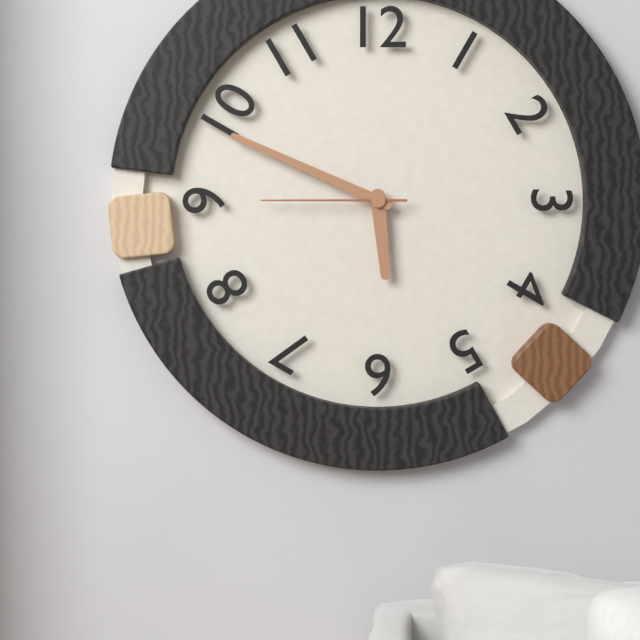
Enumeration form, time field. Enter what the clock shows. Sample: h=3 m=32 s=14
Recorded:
h=5 m=49 s=45
